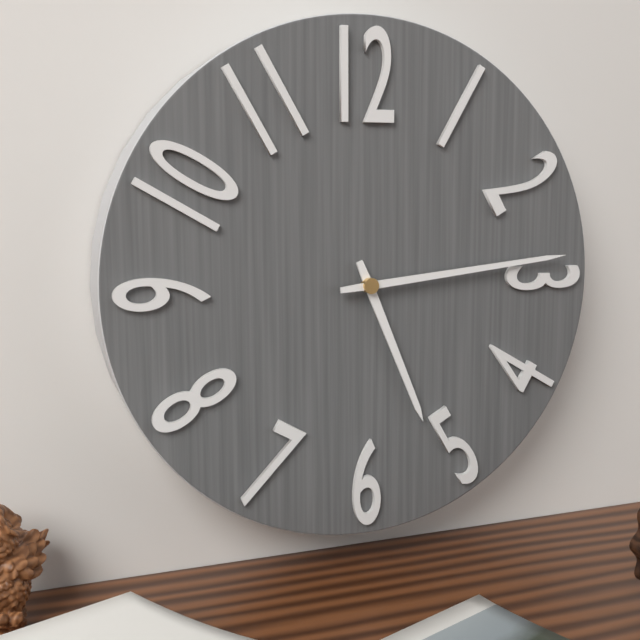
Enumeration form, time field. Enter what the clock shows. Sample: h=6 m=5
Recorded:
h=5 m=14
